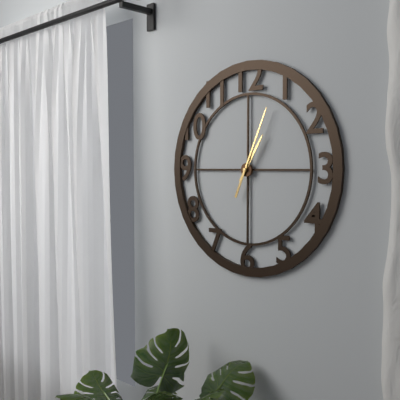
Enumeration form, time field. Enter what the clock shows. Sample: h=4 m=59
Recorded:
h=1 m=4
